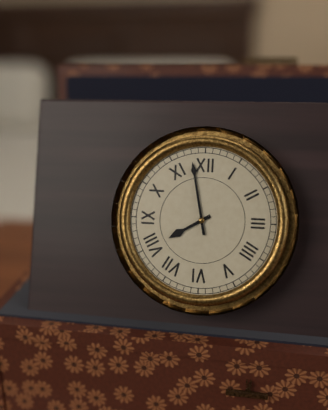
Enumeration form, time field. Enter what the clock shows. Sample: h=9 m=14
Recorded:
h=7 m=58
